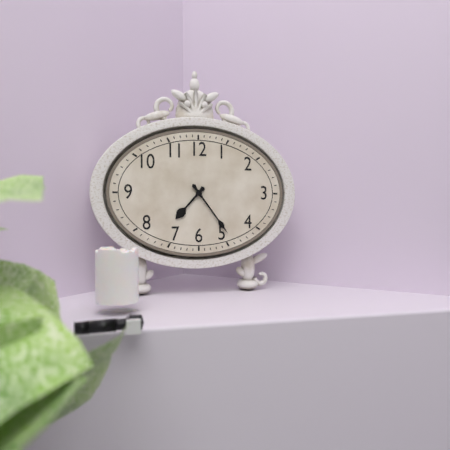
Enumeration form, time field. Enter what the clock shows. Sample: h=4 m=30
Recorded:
h=7 m=24
